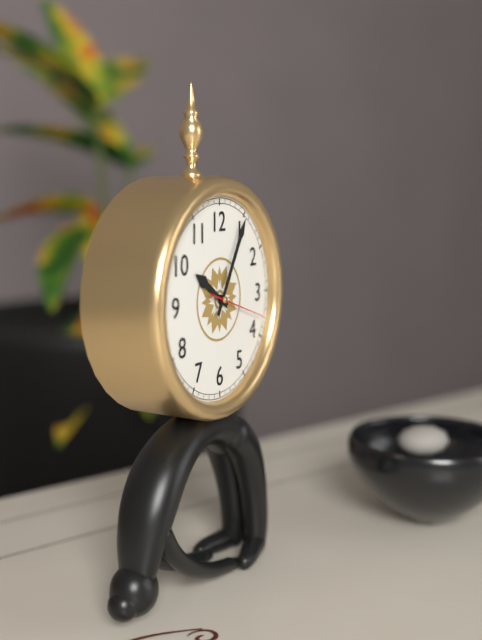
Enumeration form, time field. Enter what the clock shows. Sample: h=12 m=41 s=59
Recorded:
h=10 m=5 s=18
